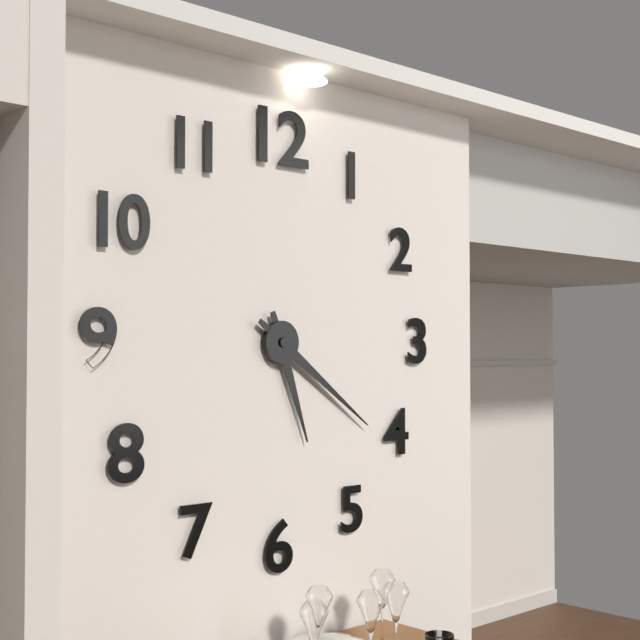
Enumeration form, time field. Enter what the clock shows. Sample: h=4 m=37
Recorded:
h=5 m=21
